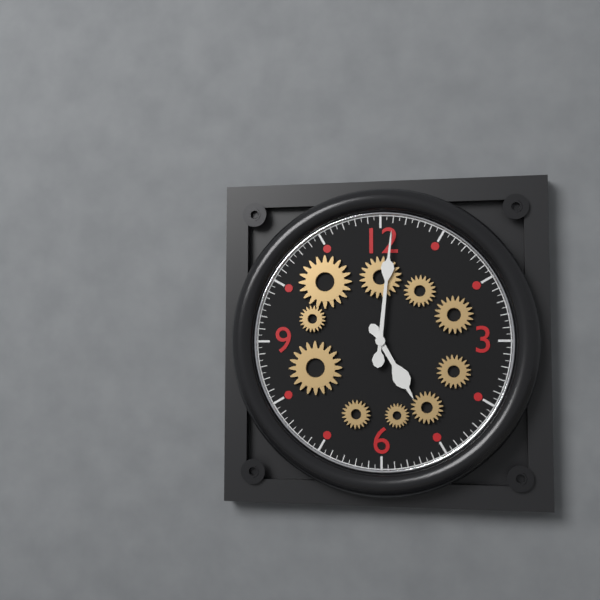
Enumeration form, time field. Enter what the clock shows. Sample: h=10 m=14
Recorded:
h=5 m=1
